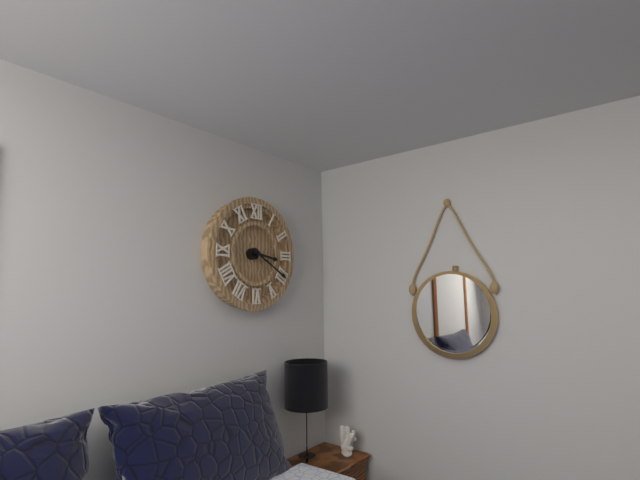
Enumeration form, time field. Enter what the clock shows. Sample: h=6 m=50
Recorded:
h=3 m=20
